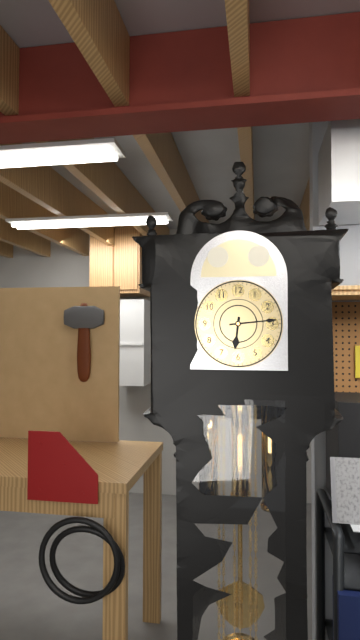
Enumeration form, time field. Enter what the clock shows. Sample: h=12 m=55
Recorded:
h=6 m=14
